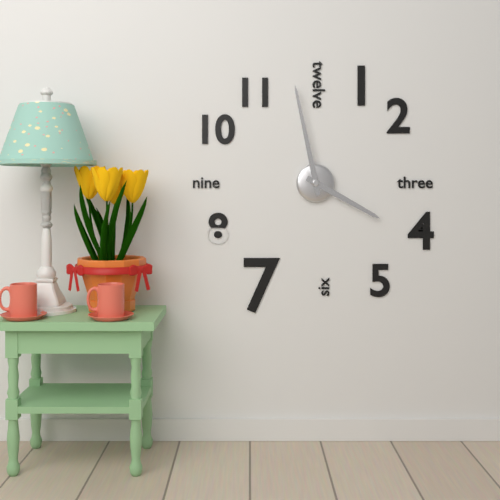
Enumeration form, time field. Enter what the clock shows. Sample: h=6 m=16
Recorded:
h=3 m=58
